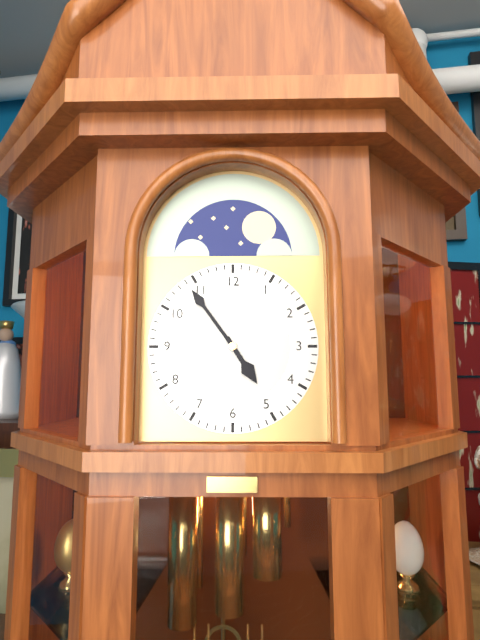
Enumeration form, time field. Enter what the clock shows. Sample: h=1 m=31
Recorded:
h=4 m=54
